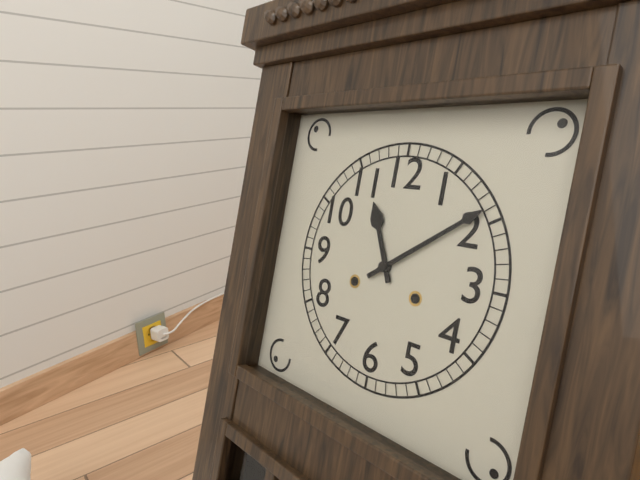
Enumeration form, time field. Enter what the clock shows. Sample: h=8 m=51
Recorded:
h=11 m=9
